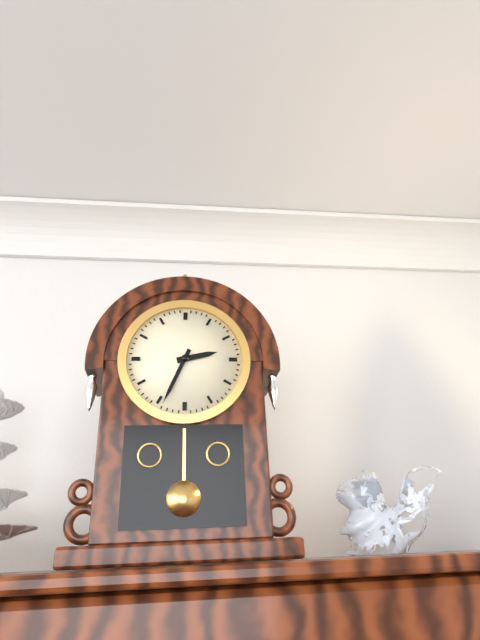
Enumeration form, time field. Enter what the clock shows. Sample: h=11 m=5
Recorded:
h=2 m=34
